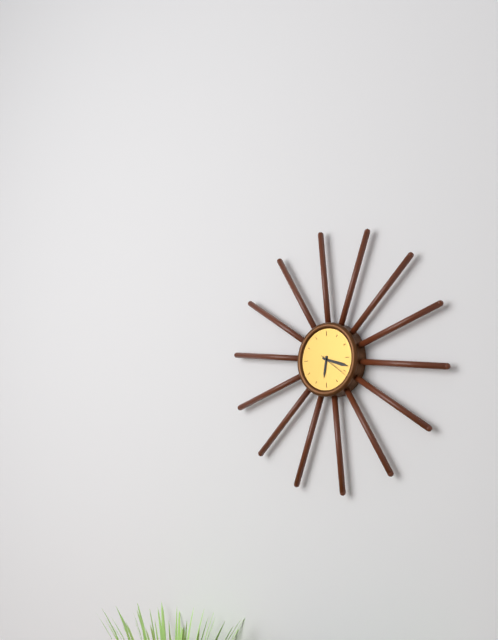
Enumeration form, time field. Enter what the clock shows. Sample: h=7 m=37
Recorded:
h=6 m=18
